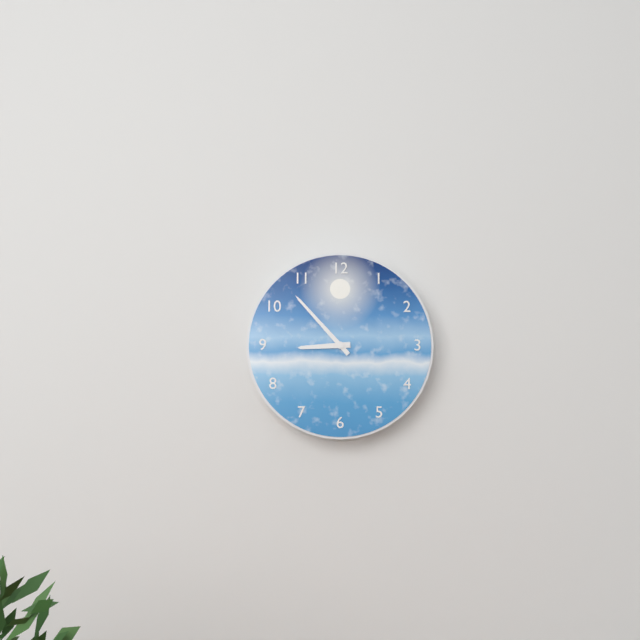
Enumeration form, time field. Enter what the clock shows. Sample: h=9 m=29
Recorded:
h=8 m=53
